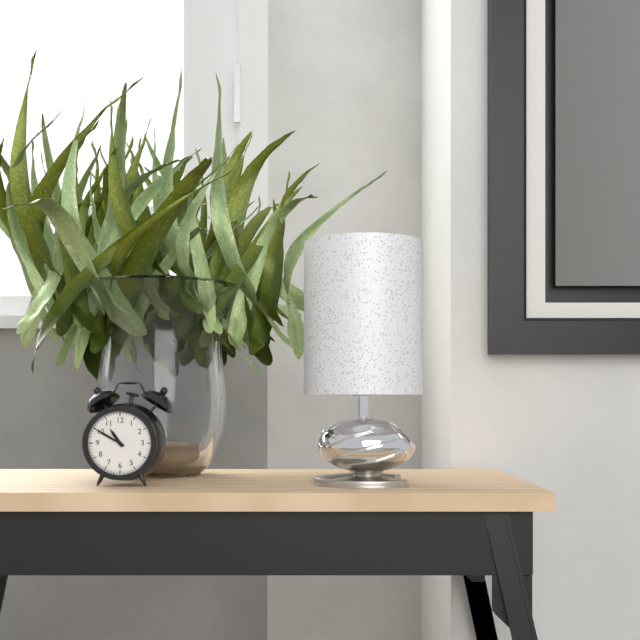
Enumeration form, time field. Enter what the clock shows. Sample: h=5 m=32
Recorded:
h=10 m=50
